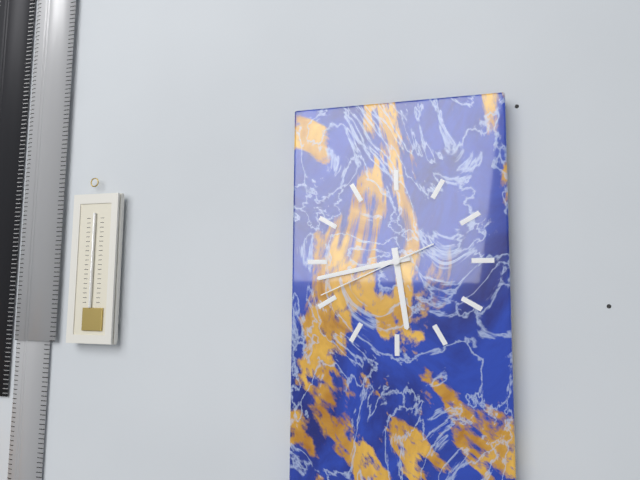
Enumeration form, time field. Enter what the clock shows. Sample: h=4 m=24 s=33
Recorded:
h=5 m=43 s=41
